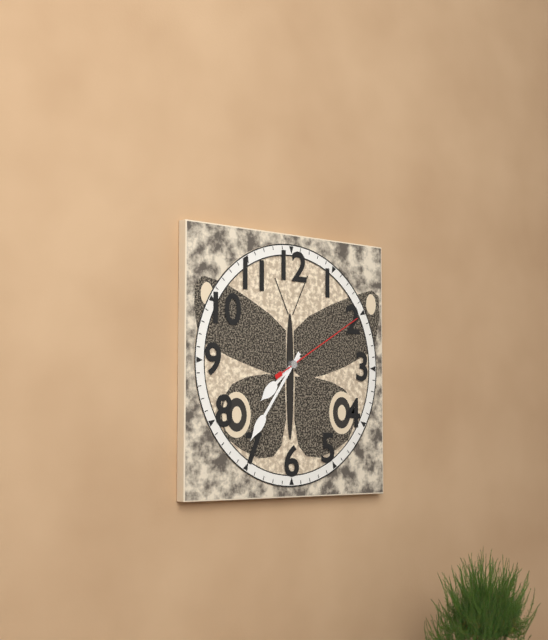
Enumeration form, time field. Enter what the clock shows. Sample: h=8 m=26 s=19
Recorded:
h=7 m=36 s=10
